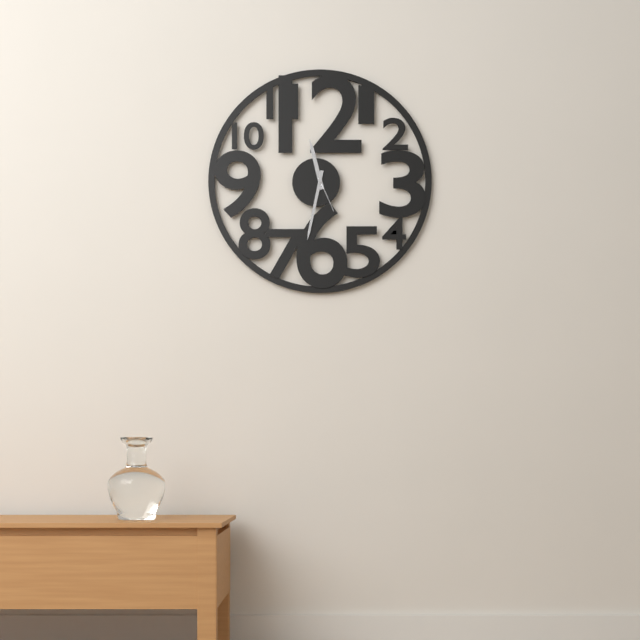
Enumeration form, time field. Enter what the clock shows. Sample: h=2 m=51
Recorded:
h=11 m=32
